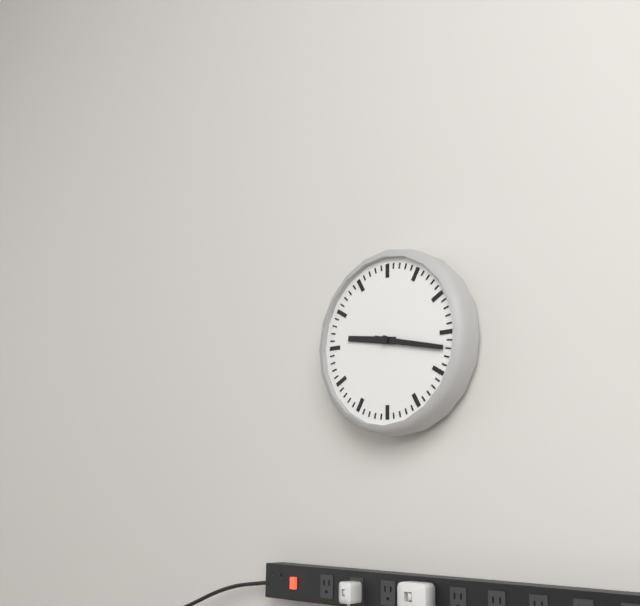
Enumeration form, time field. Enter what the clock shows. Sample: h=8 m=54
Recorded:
h=9 m=17
